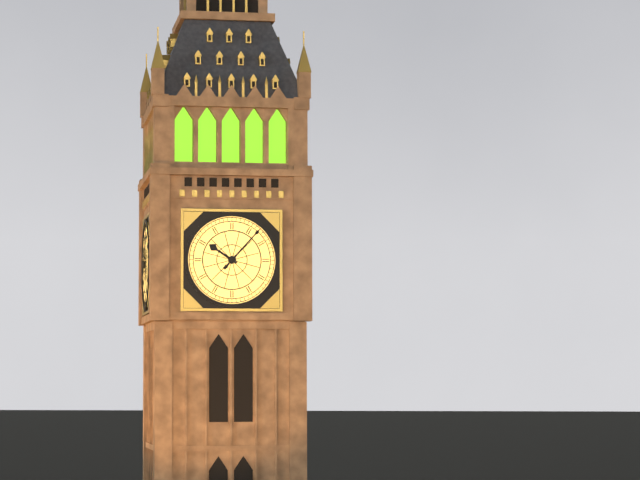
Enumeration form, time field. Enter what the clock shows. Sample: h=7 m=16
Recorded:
h=10 m=7
